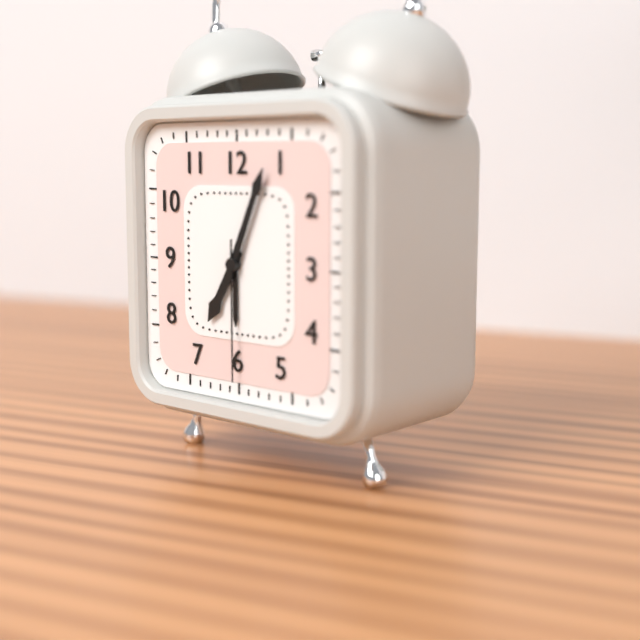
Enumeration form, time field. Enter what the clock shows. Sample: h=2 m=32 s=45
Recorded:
h=7 m=4 s=30
